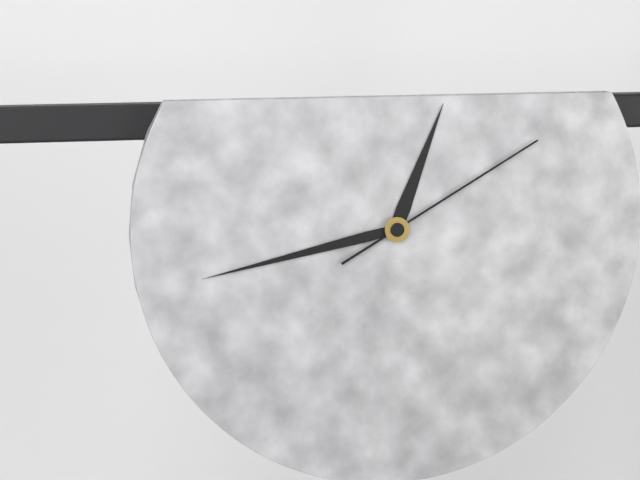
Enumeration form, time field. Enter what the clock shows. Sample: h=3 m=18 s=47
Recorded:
h=12 m=43 s=10
